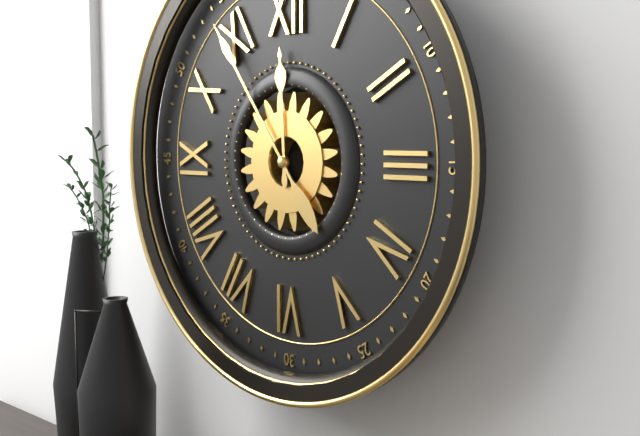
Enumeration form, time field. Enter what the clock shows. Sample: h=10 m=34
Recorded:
h=11 m=54
